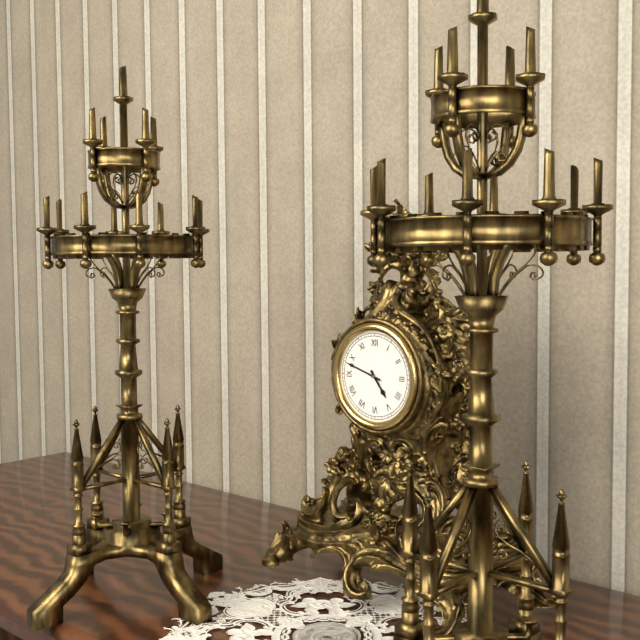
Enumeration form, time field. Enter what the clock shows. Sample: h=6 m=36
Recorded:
h=4 m=48
